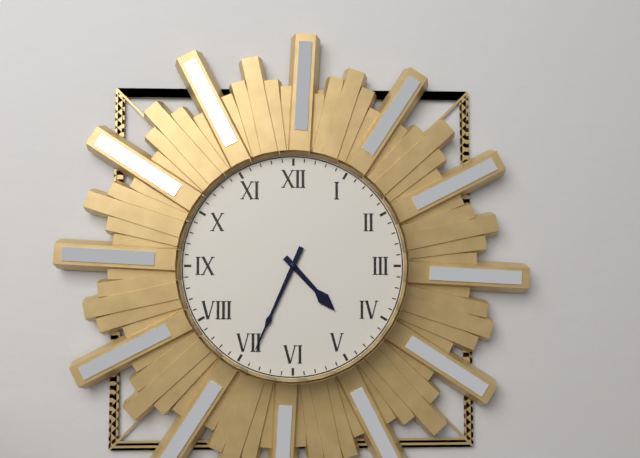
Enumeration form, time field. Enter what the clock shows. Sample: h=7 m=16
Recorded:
h=4 m=34
